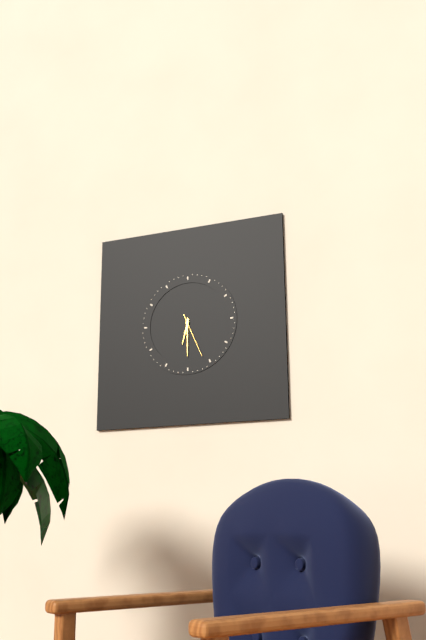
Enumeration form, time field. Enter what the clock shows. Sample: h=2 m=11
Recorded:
h=6 m=30
